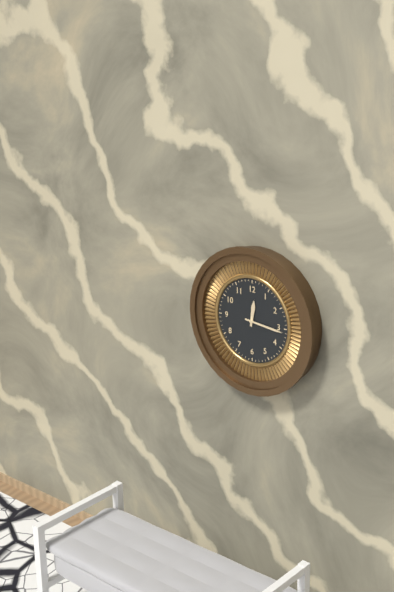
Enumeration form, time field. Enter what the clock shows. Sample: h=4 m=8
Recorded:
h=12 m=16
